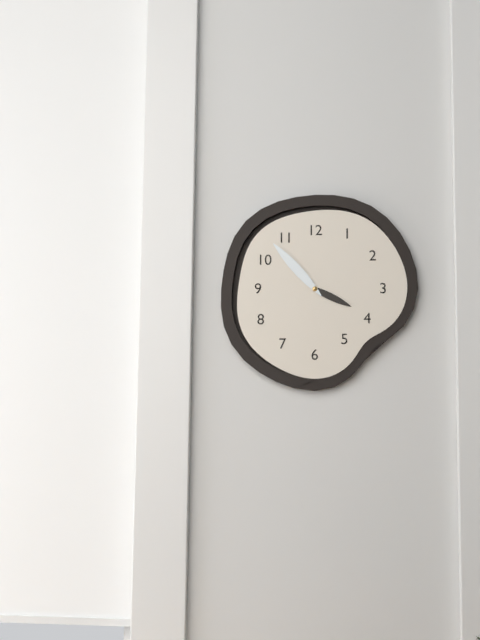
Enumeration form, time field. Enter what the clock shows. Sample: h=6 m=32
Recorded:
h=3 m=53
